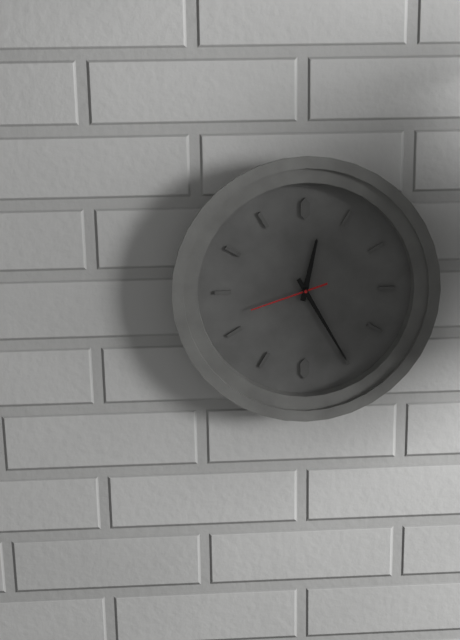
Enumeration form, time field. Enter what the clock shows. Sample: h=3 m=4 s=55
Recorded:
h=12 m=25 s=42
